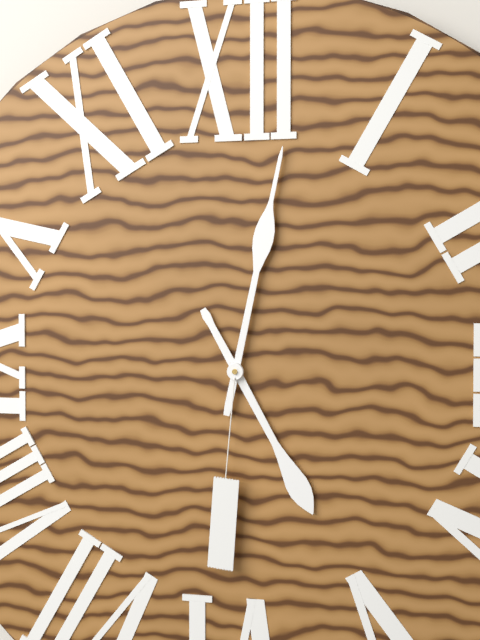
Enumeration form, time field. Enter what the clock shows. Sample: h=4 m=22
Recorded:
h=5 m=2
